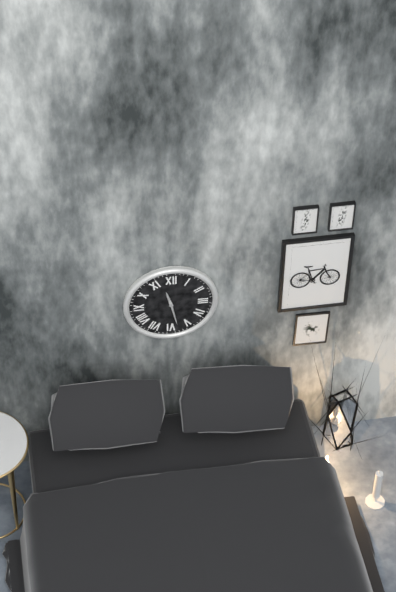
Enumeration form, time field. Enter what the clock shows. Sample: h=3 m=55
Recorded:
h=11 m=28
